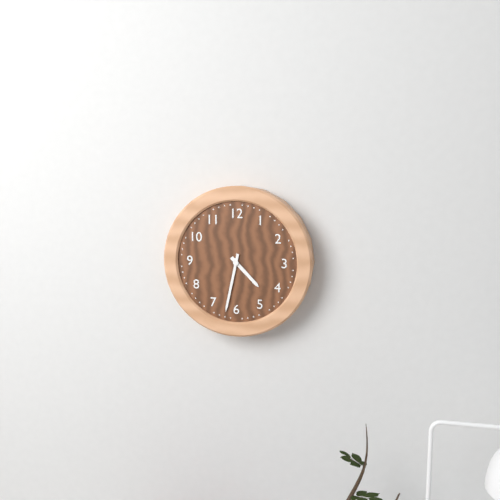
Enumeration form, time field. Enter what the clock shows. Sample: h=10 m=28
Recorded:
h=4 m=32
